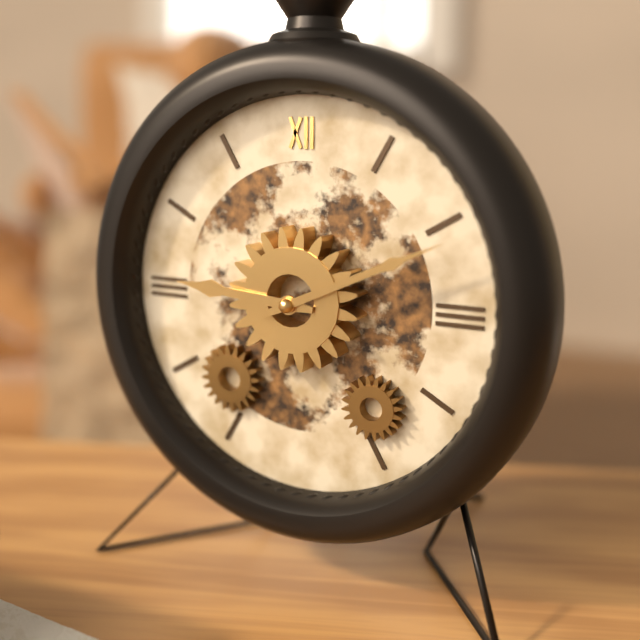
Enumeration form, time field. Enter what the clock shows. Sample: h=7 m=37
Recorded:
h=9 m=11
